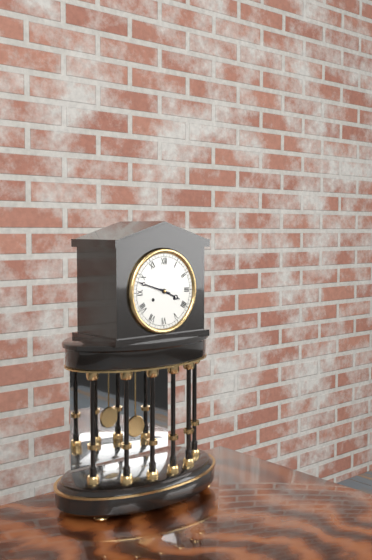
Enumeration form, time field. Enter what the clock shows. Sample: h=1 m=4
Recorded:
h=3 m=48
